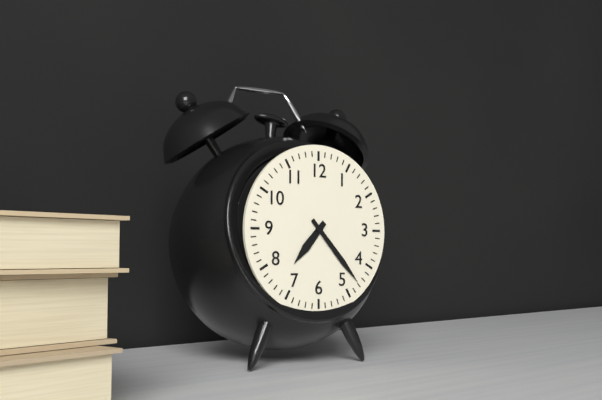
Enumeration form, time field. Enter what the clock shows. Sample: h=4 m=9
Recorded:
h=7 m=23
